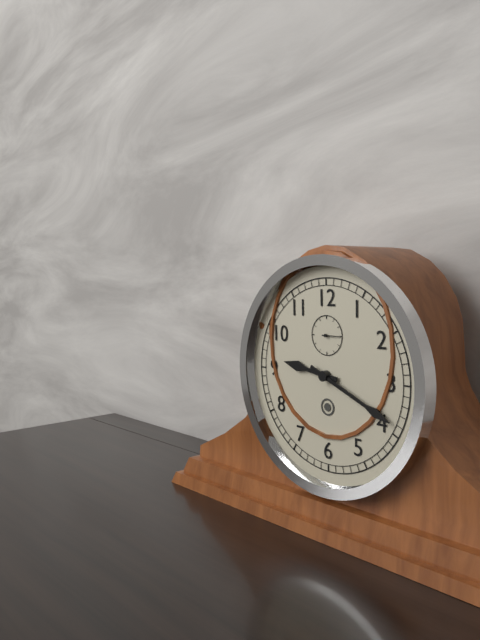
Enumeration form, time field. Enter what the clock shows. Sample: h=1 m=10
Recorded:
h=9 m=19
